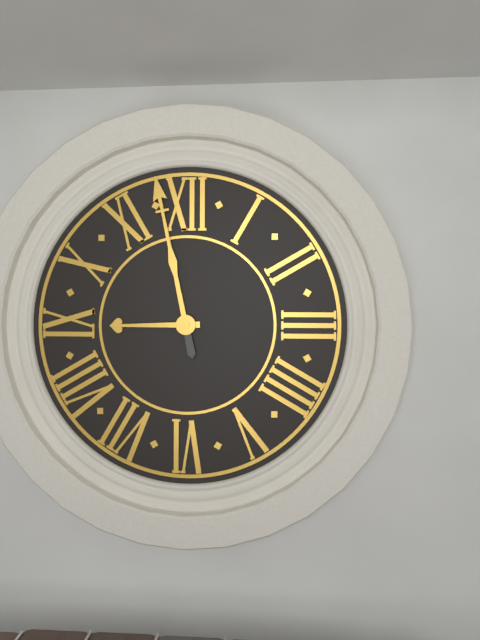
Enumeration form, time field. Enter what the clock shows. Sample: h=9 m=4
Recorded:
h=8 m=58
